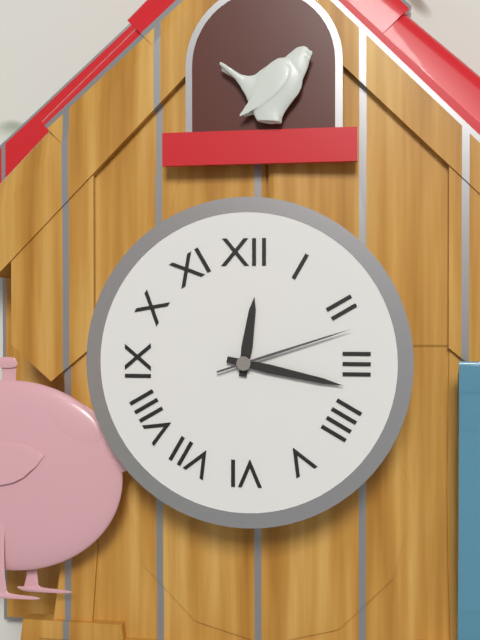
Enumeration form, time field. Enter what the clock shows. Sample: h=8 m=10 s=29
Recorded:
h=12 m=17 s=12
